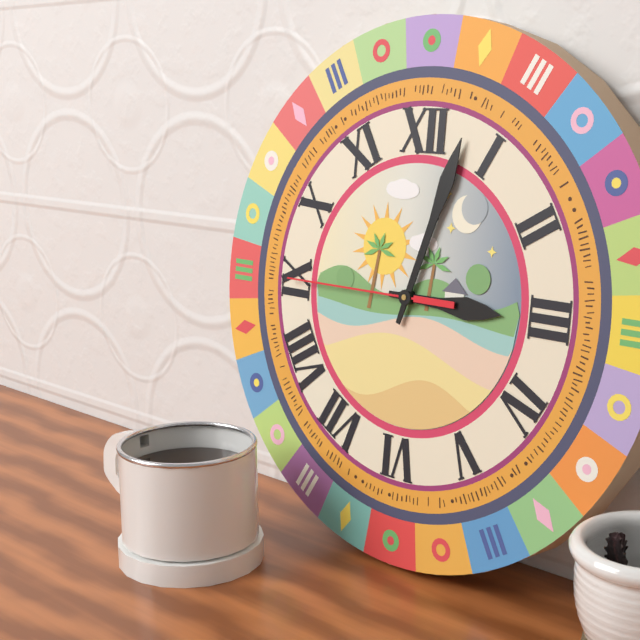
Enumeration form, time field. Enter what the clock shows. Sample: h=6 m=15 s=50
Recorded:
h=3 m=3 s=45
